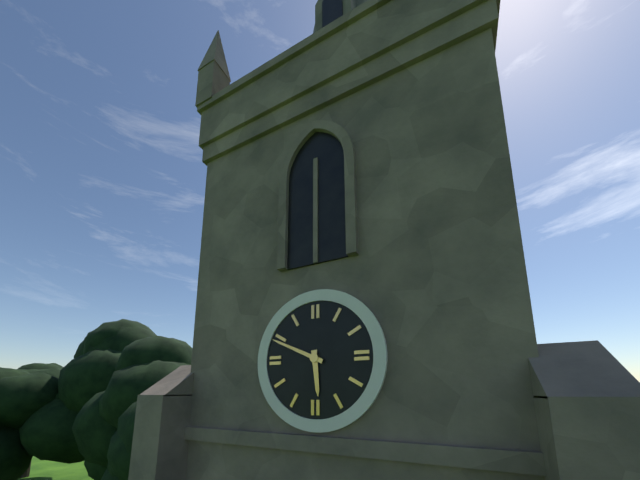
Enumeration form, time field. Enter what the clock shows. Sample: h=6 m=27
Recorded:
h=5 m=49
